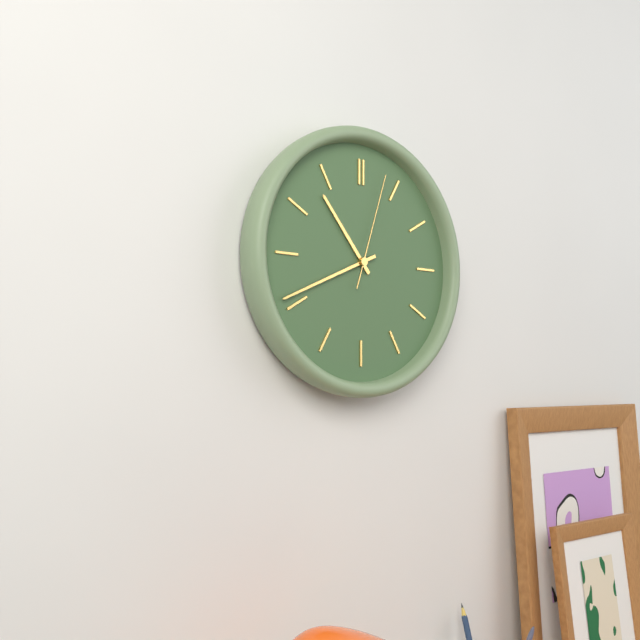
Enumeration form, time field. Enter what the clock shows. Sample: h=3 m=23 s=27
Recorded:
h=10 m=41 s=3
